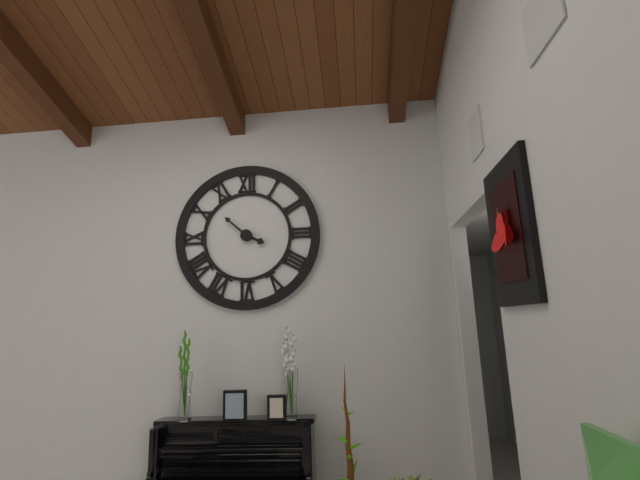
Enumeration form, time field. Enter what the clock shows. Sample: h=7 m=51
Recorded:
h=3 m=52
